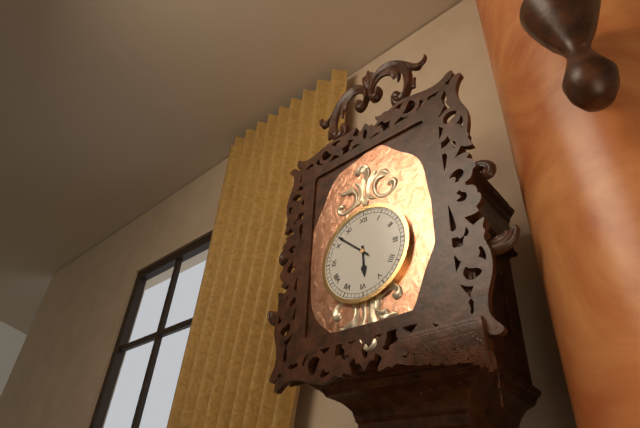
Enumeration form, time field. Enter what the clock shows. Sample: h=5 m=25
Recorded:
h=5 m=52
